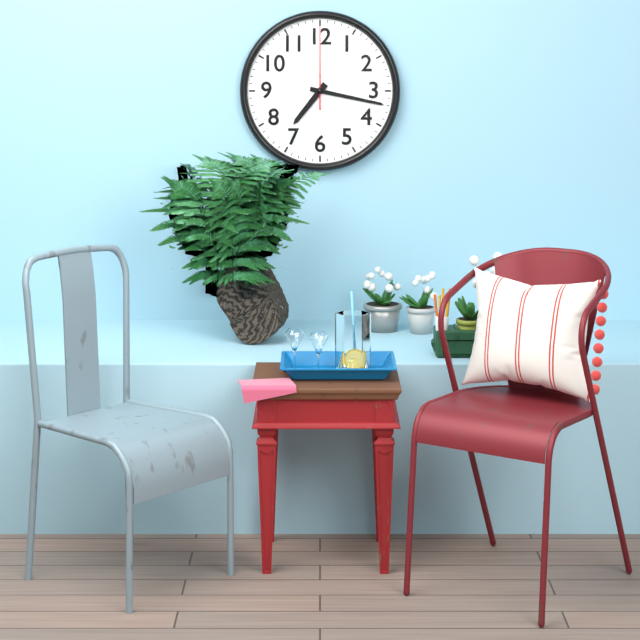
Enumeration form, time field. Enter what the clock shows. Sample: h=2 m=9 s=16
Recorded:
h=7 m=17 s=0
